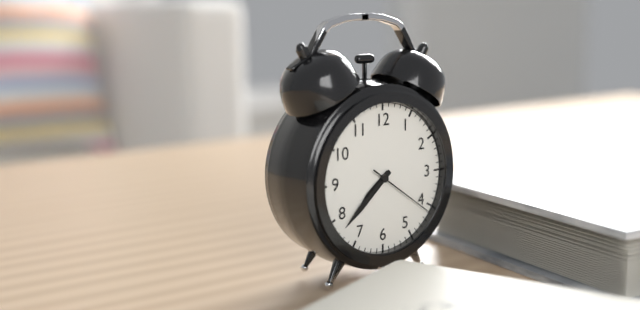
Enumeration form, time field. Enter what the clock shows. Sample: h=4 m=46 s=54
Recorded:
h=7 m=38 s=21
